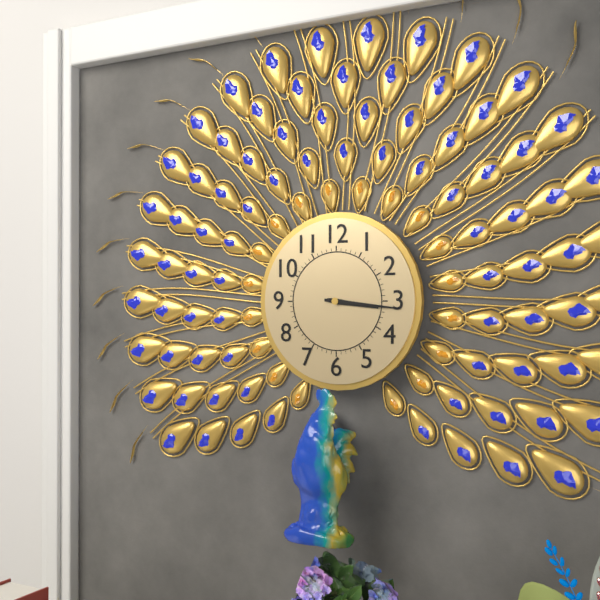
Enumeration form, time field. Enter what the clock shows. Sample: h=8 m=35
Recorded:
h=3 m=16
